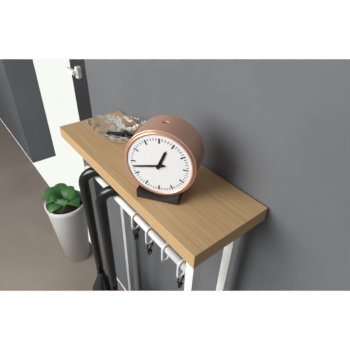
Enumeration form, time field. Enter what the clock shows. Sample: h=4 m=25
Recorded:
h=12 m=43
